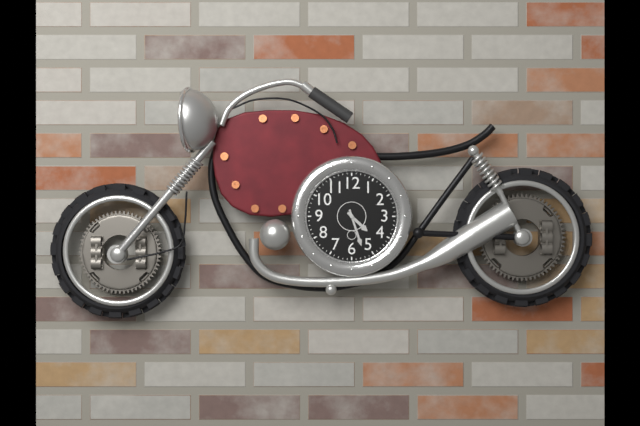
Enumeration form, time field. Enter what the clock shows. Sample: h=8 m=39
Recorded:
h=4 m=27
